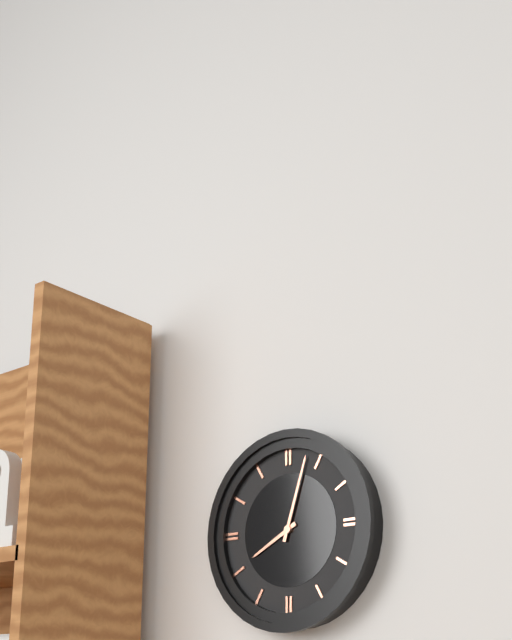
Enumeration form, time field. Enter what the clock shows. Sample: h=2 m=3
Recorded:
h=8 m=3
